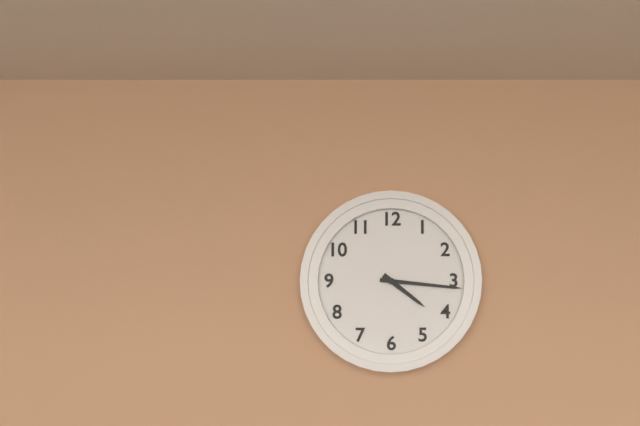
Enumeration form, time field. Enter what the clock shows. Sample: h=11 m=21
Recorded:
h=4 m=16
